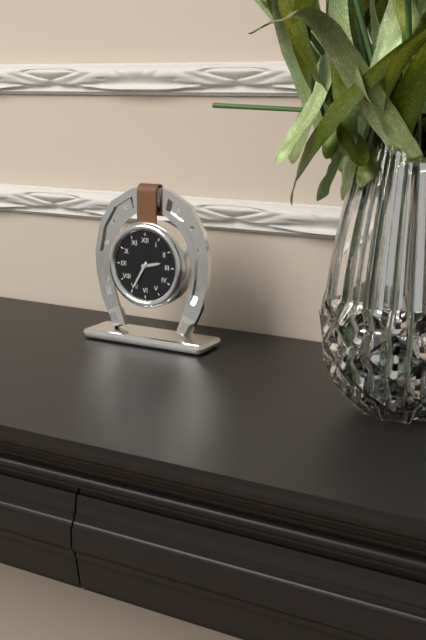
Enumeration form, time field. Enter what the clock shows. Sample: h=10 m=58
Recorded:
h=2 m=35
